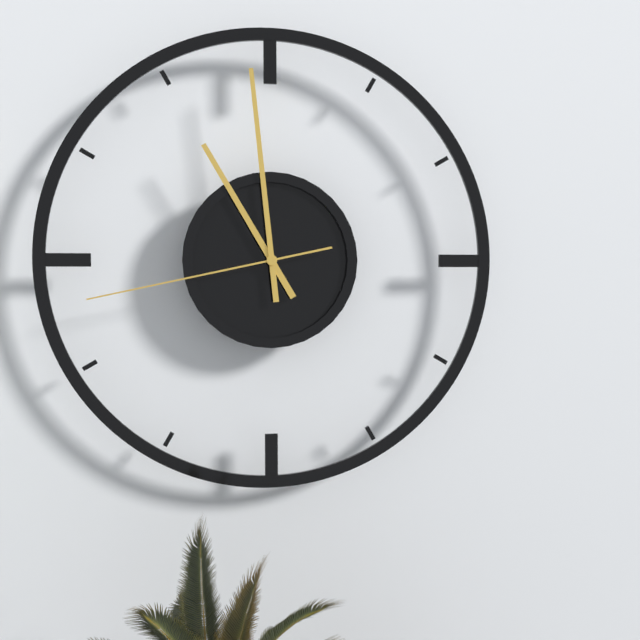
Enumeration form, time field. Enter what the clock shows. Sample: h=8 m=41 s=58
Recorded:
h=10 m=59 s=43
